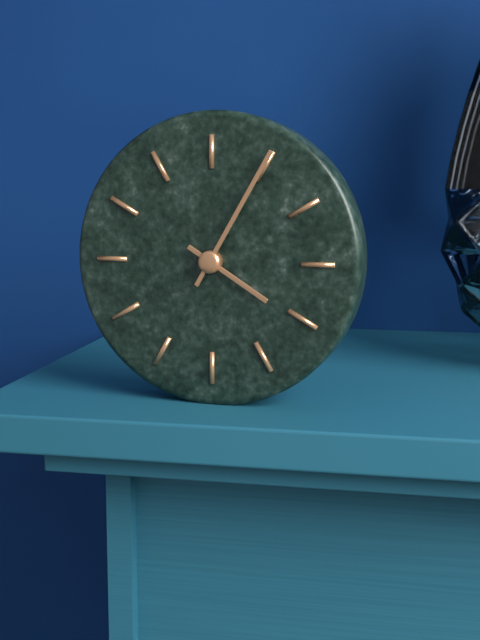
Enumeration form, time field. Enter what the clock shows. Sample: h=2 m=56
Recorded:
h=4 m=5
